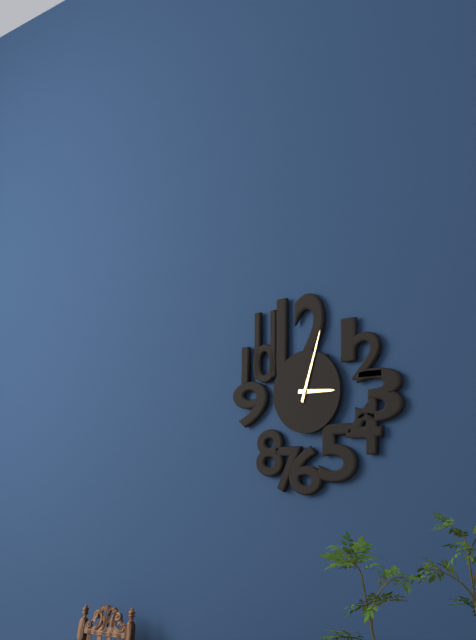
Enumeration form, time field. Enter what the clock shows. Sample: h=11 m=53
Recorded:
h=3 m=3
